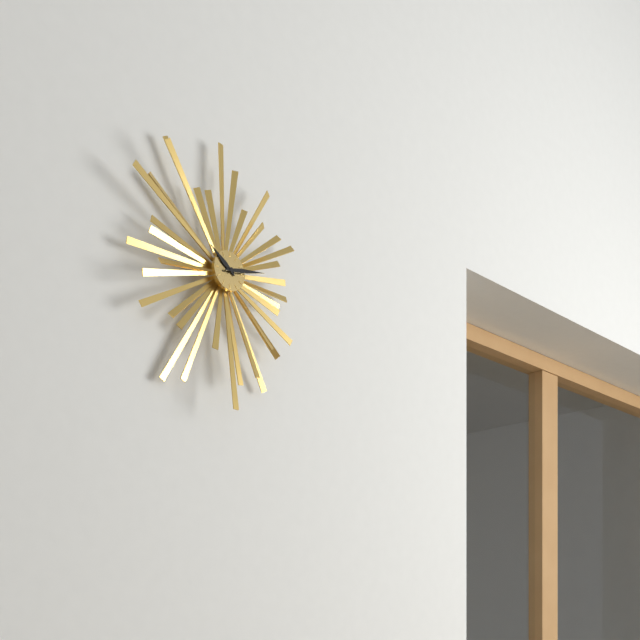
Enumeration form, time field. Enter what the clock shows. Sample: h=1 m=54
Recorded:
h=10 m=13
